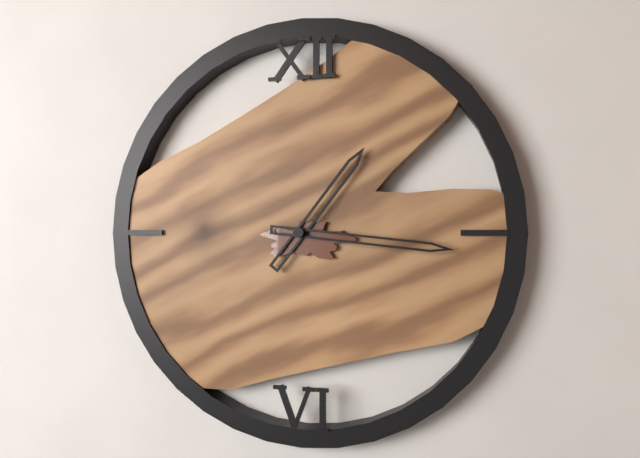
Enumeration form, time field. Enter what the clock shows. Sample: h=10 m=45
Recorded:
h=1 m=16
